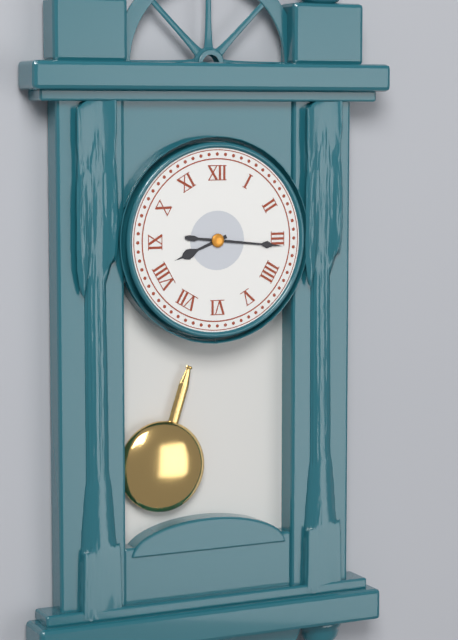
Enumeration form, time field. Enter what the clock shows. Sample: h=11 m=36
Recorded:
h=8 m=16
